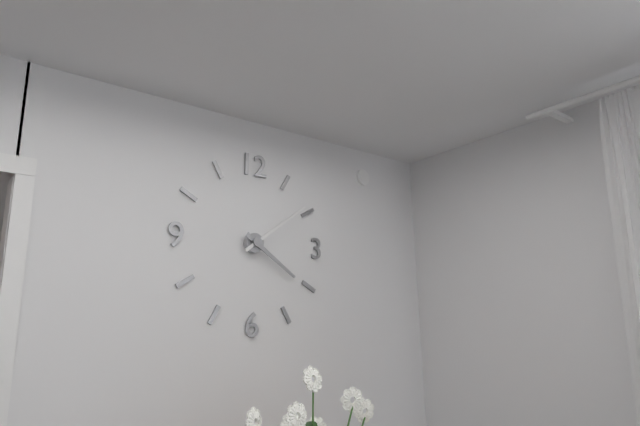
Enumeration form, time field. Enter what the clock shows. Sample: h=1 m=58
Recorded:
h=4 m=9
